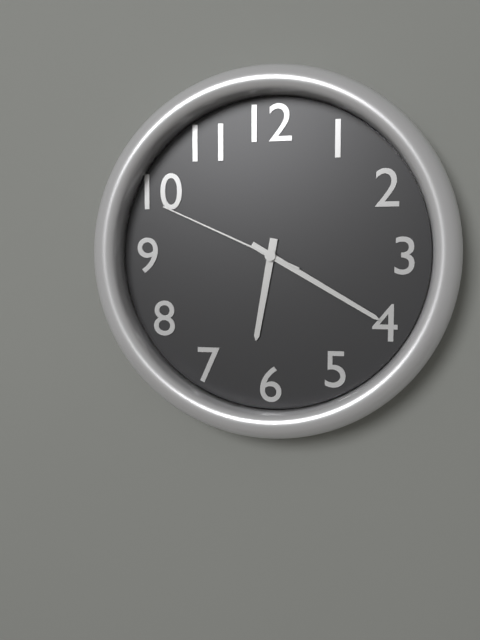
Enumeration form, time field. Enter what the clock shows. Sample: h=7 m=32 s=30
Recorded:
h=6 m=20 s=49
